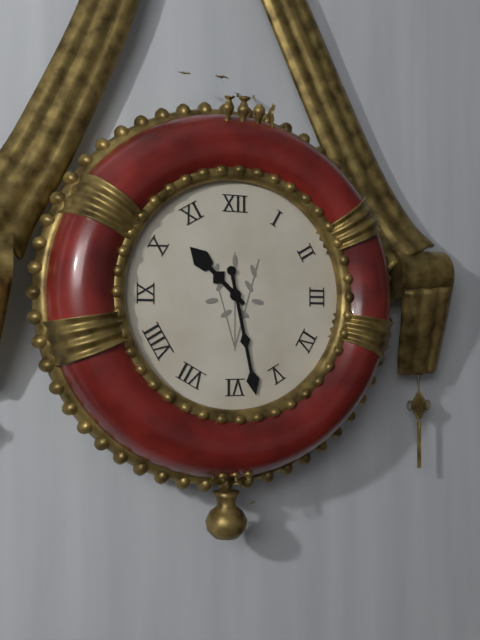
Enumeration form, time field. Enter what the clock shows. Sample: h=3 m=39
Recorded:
h=10 m=28
